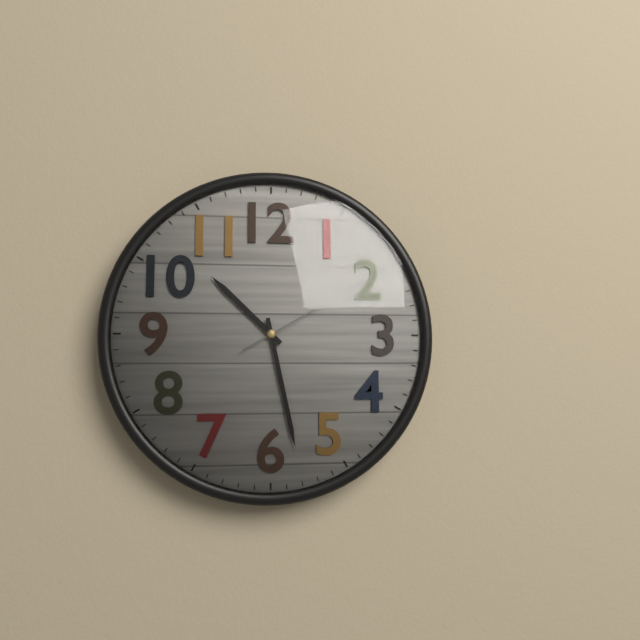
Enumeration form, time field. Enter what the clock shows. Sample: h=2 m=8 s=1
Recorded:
h=10 m=28 s=10
